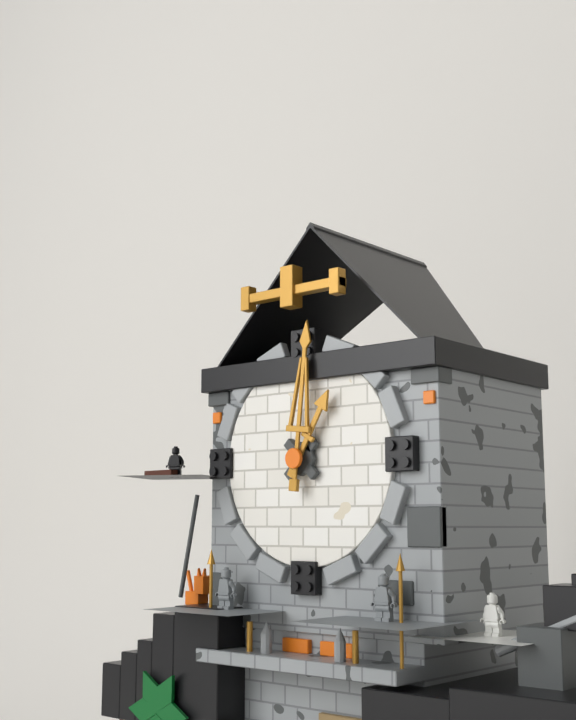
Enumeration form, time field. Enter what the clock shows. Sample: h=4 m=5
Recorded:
h=1 m=1
